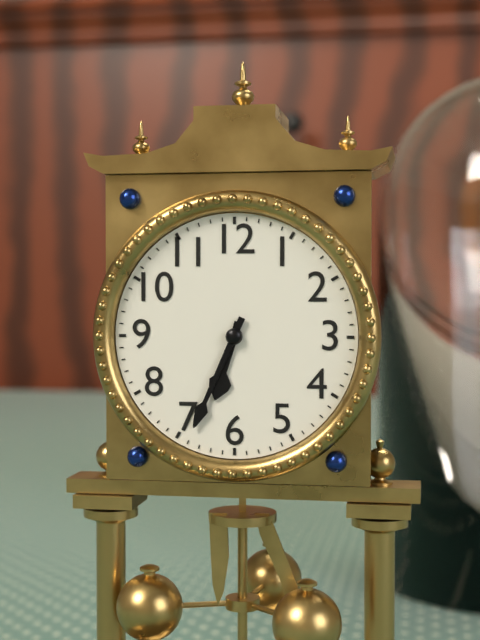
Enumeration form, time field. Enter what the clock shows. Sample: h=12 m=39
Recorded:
h=6 m=34
